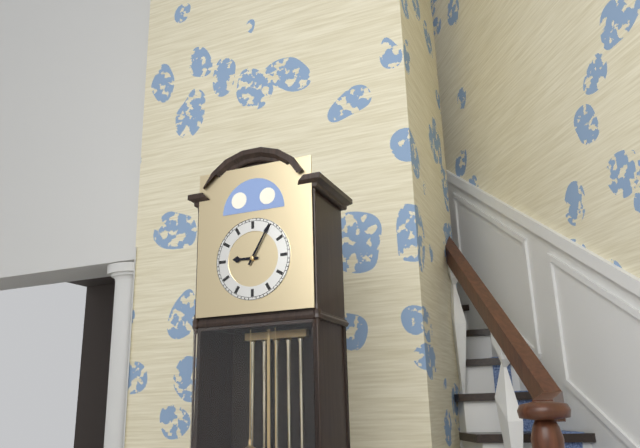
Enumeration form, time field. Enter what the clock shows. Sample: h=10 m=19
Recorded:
h=9 m=5
